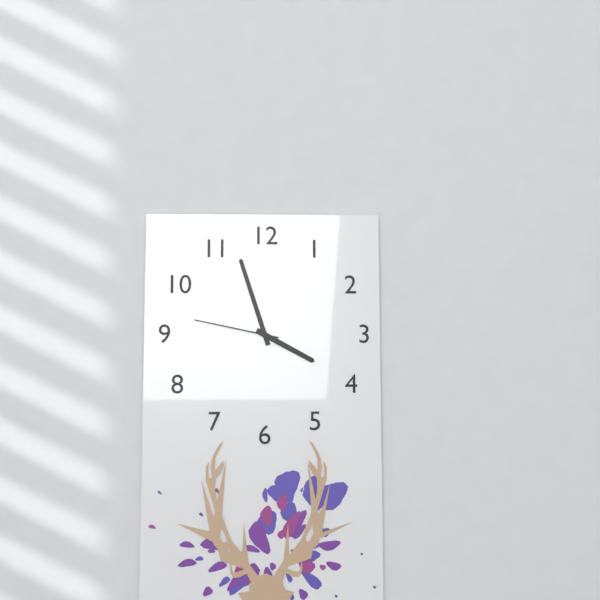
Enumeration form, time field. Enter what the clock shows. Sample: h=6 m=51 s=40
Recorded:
h=3 m=57 s=47
